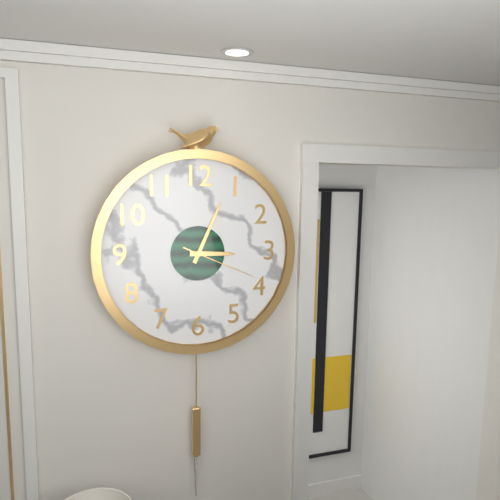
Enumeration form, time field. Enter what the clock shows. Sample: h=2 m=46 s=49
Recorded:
h=3 m=4 s=19
